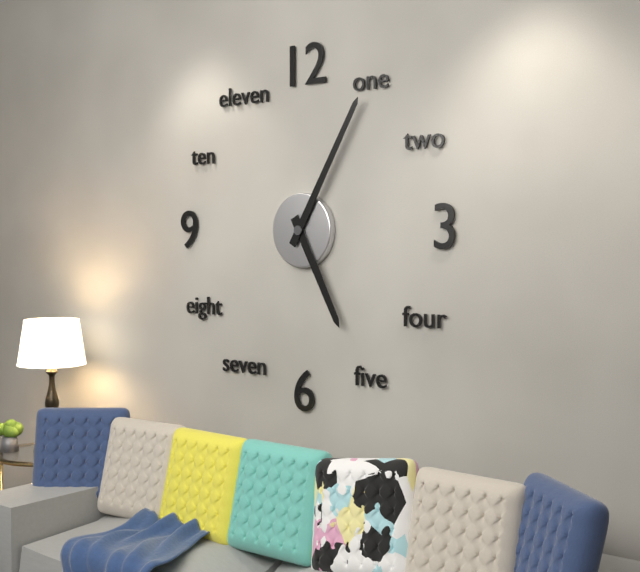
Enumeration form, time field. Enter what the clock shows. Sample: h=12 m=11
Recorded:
h=5 m=5
